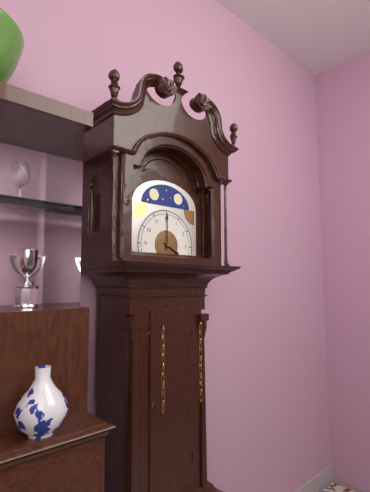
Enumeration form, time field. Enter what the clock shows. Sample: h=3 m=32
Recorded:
h=4 m=0
